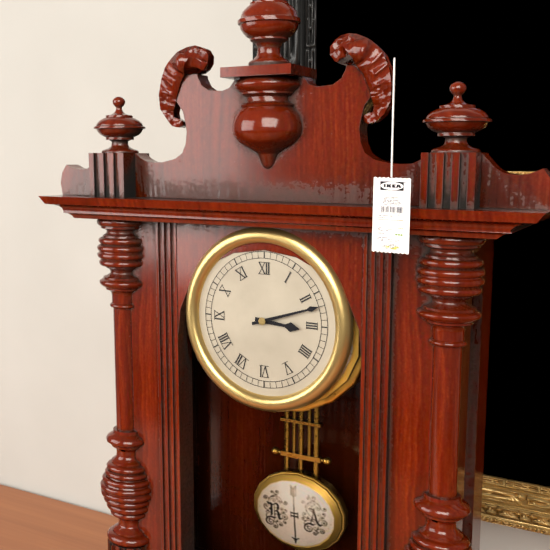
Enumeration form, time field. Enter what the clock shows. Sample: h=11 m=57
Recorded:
h=3 m=12
